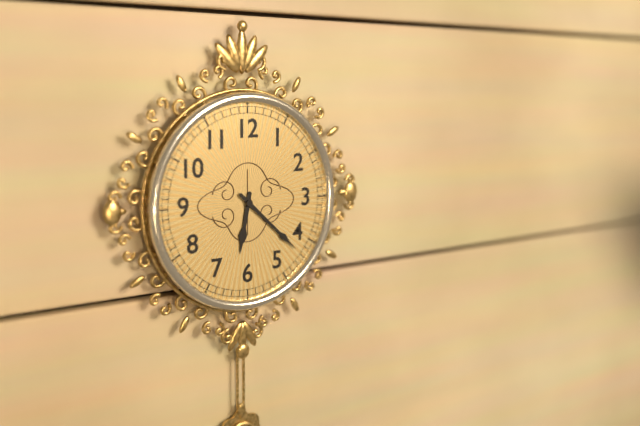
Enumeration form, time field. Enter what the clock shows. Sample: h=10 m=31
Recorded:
h=6 m=22
